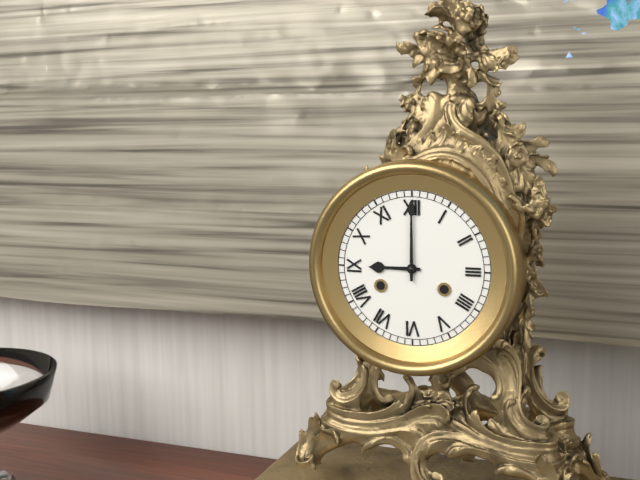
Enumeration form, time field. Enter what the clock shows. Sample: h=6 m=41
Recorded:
h=9 m=0
